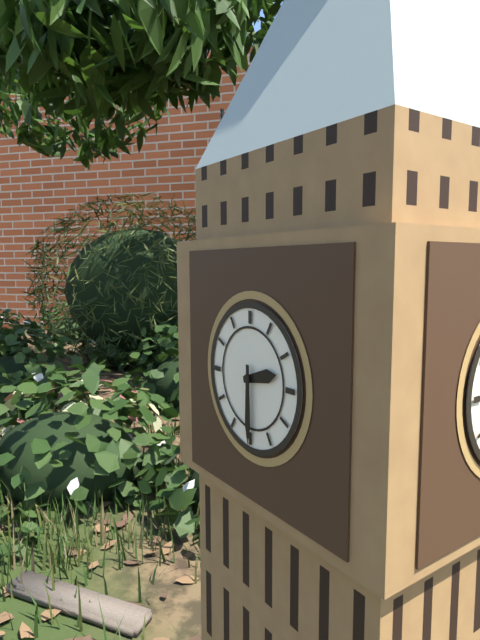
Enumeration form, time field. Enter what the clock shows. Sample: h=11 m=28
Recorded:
h=2 m=30
